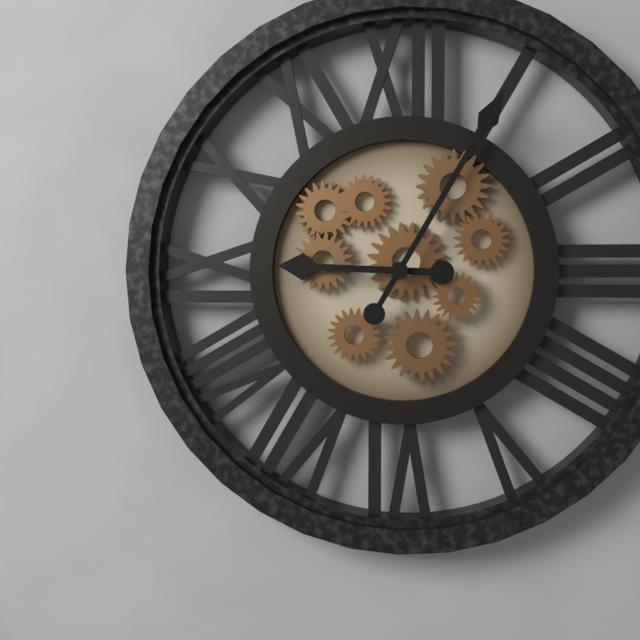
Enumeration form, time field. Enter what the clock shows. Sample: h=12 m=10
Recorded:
h=9 m=5
